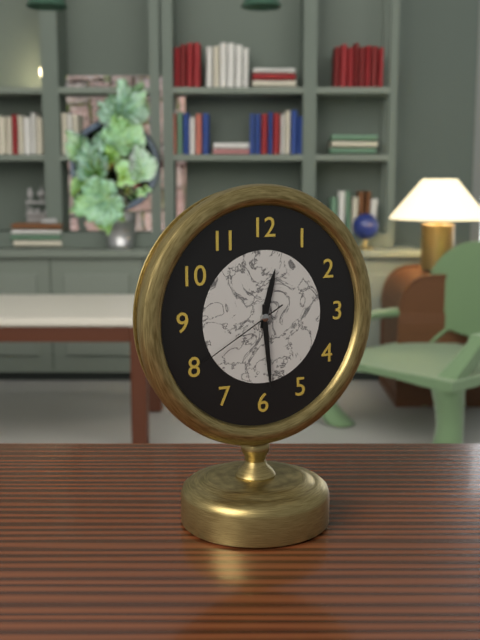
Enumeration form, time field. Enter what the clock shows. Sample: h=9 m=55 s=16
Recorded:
h=12 m=29 s=40
